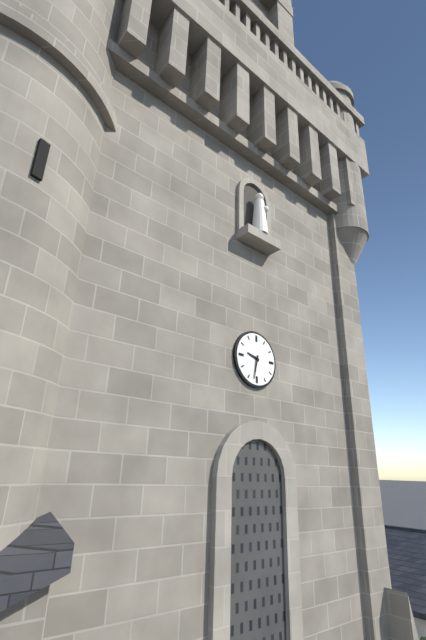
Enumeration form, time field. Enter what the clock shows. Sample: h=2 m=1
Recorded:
h=9 m=32
